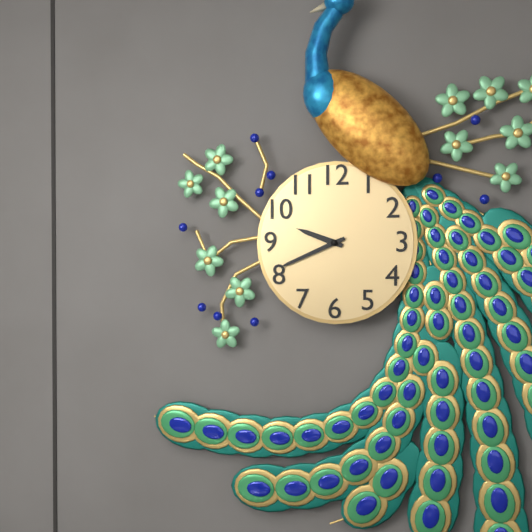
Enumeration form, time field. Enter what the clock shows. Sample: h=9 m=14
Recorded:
h=9 m=41
